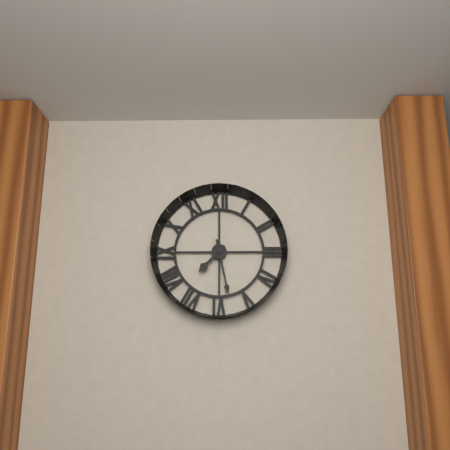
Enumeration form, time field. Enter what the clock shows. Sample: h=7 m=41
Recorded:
h=7 m=28
